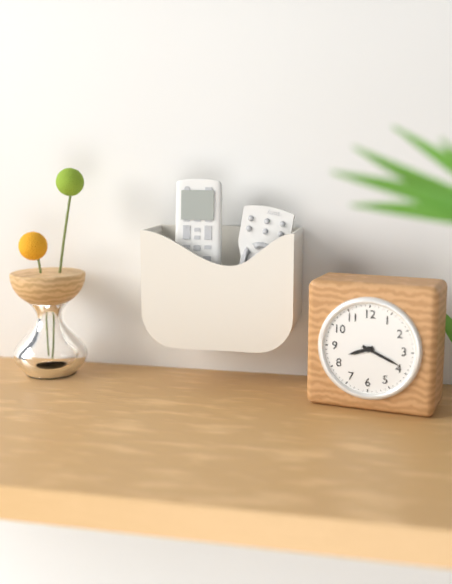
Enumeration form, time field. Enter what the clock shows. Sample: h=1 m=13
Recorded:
h=8 m=19
